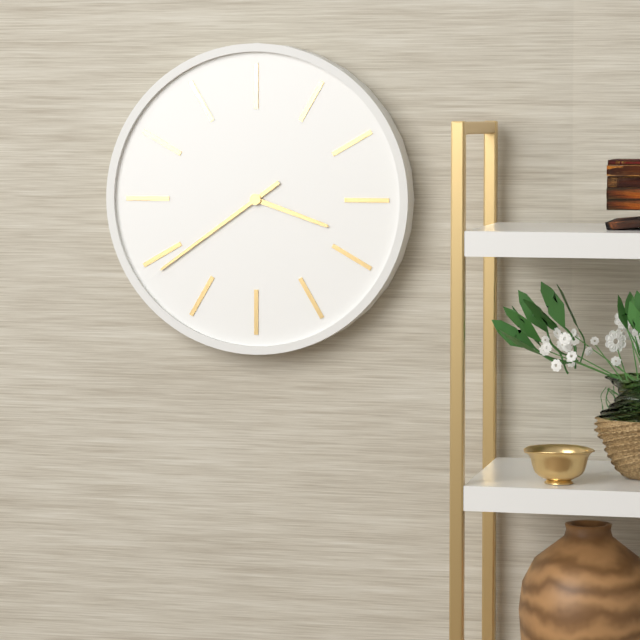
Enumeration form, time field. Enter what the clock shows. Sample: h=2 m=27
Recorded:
h=3 m=39
